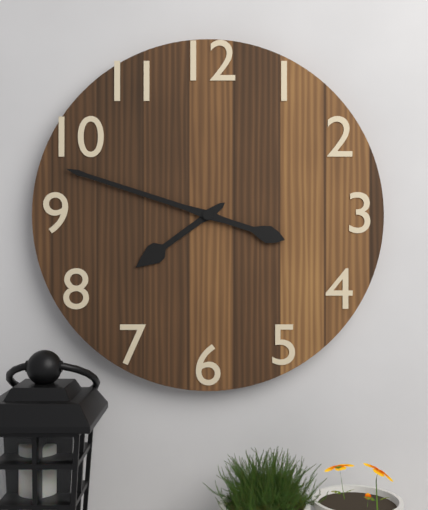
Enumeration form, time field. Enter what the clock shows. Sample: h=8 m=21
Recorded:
h=7 m=48
